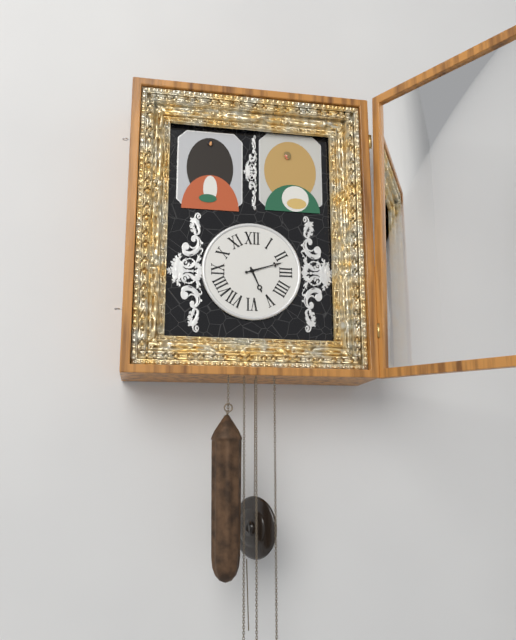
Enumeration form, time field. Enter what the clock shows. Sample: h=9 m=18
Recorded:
h=5 m=12
